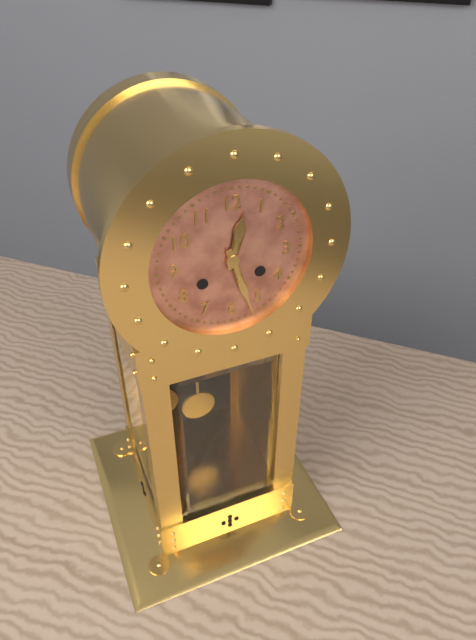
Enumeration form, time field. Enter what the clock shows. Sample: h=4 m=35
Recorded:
h=12 m=27
